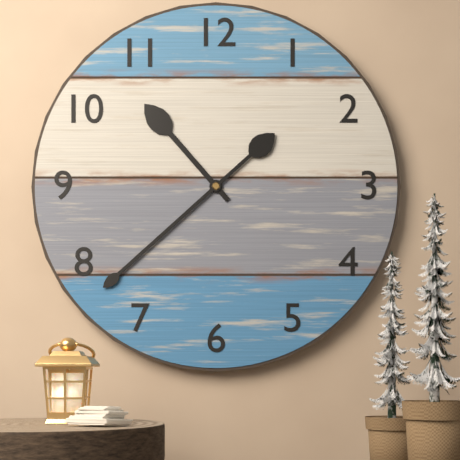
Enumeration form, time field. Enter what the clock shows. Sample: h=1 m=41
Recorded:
h=10 m=38
